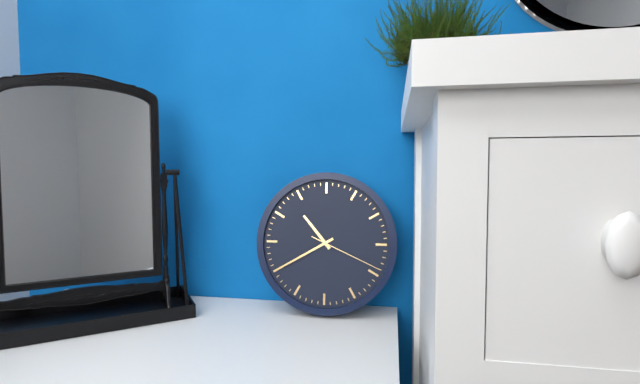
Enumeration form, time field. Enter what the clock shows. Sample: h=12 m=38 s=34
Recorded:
h=10 m=40 s=19
